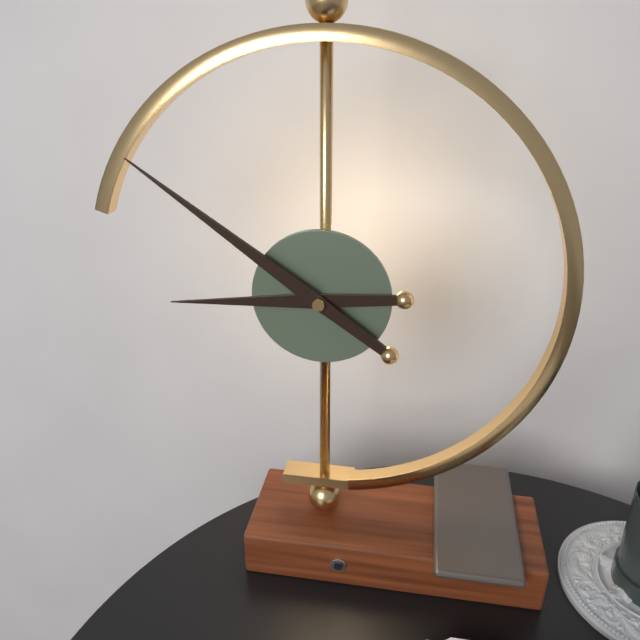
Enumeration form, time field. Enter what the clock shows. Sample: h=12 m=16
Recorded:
h=8 m=51
